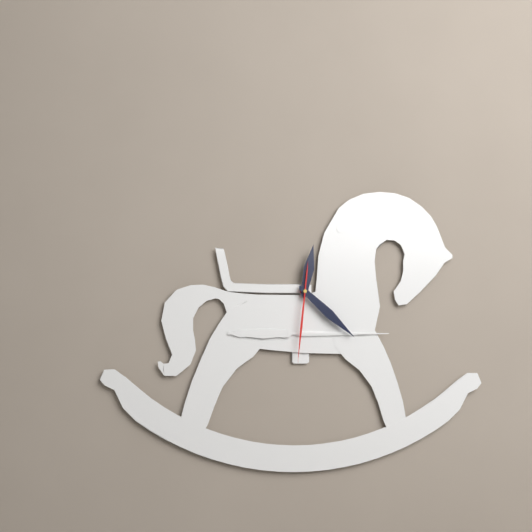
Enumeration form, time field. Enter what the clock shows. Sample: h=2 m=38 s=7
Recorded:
h=12 m=22 s=31
